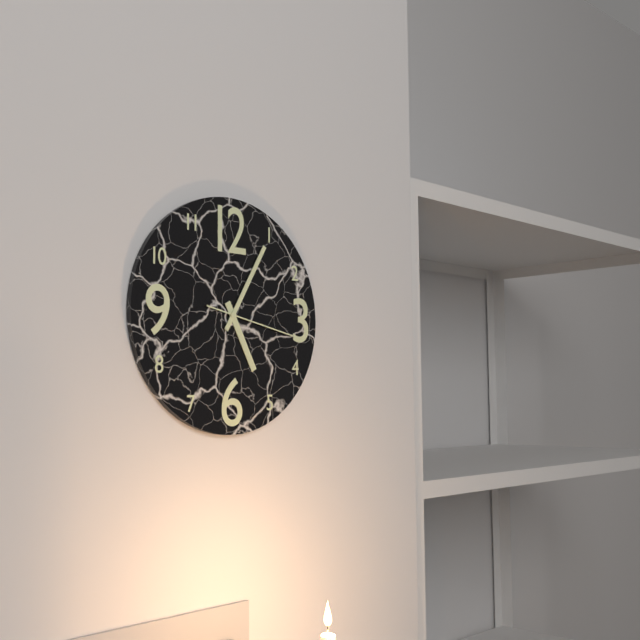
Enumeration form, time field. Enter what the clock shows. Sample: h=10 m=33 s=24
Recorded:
h=5 m=5 s=17
